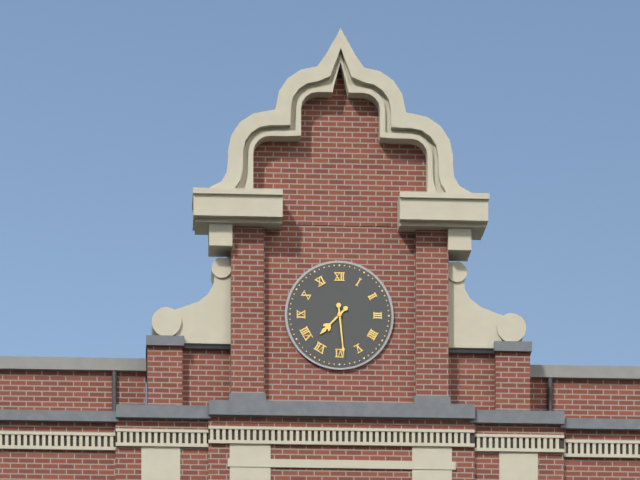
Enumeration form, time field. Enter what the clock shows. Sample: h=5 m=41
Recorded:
h=7 m=29
